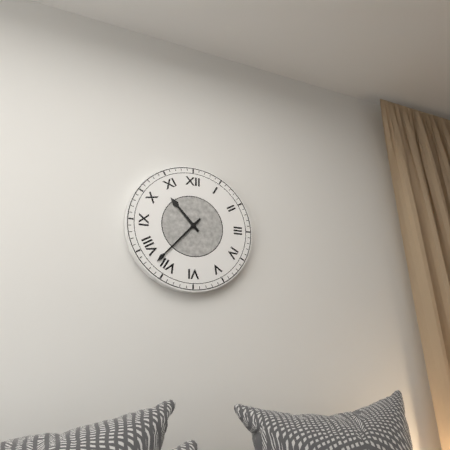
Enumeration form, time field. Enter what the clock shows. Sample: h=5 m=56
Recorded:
h=10 m=37
